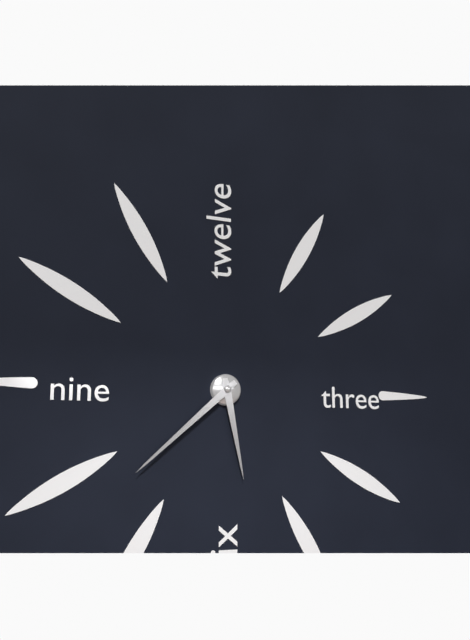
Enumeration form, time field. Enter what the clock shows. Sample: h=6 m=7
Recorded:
h=5 m=38
